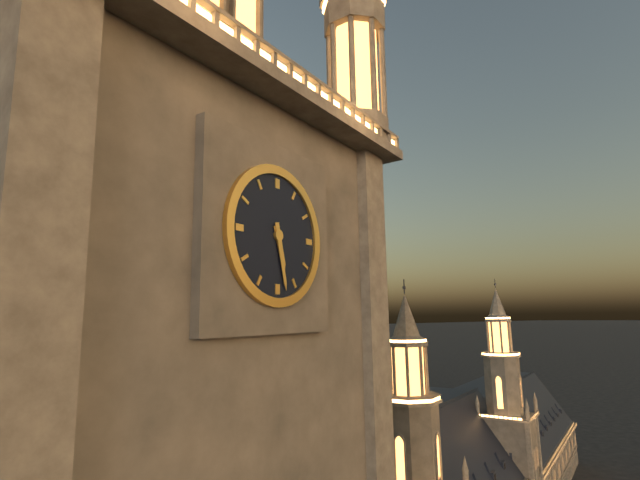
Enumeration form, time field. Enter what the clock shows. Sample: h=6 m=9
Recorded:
h=5 m=28
